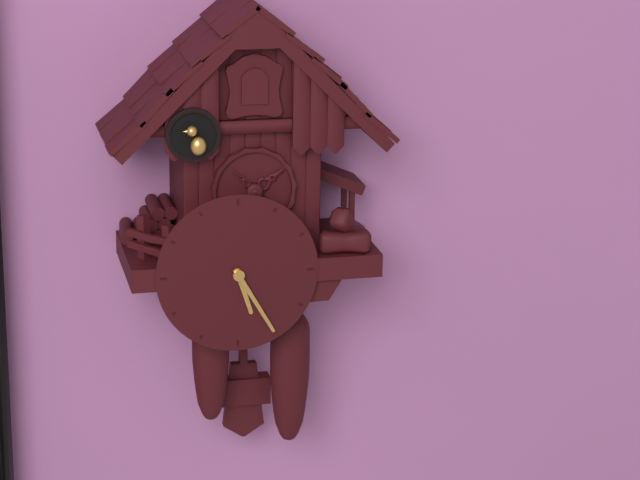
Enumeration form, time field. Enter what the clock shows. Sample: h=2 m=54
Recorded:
h=5 m=25
